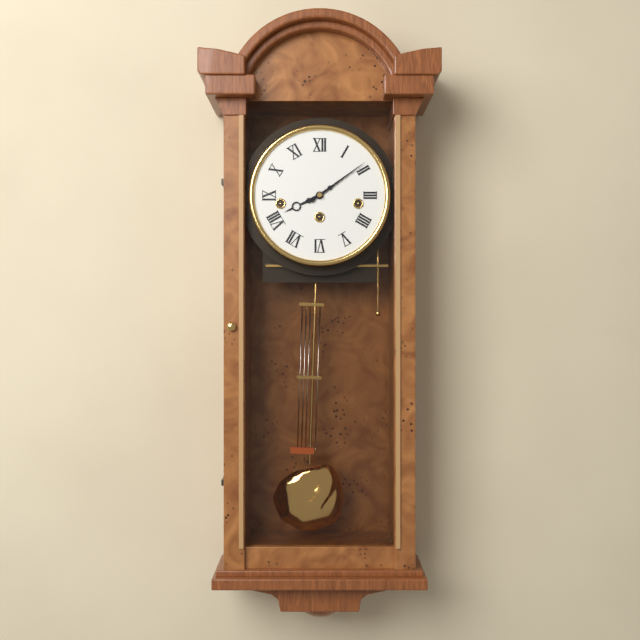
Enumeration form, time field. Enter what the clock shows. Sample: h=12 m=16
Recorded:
h=8 m=9
